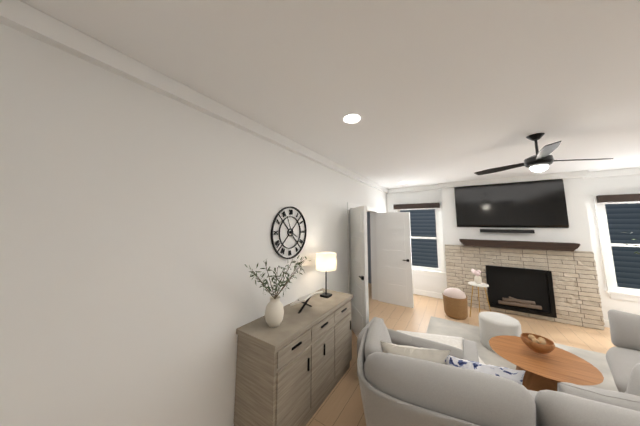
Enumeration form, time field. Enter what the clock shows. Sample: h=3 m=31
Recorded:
h=3 m=56
